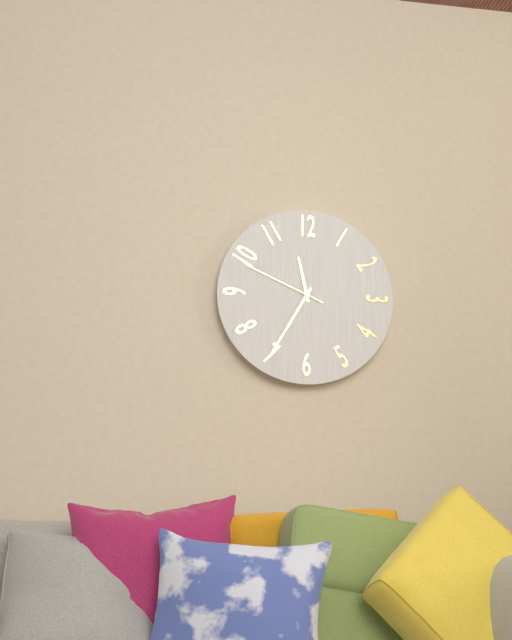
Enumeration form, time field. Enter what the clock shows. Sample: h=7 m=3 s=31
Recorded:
h=11 m=35 s=49
